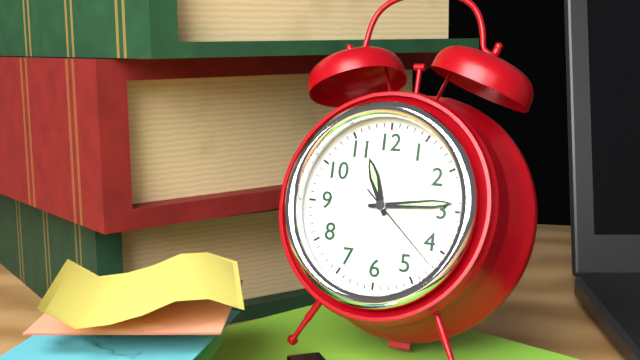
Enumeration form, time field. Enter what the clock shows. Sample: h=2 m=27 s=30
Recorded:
h=11 m=14 s=22
